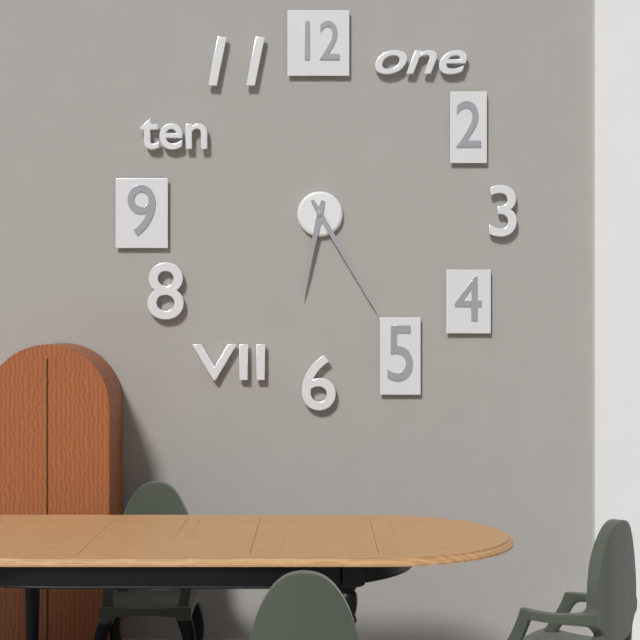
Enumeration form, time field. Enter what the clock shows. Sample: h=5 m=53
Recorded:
h=6 m=25
